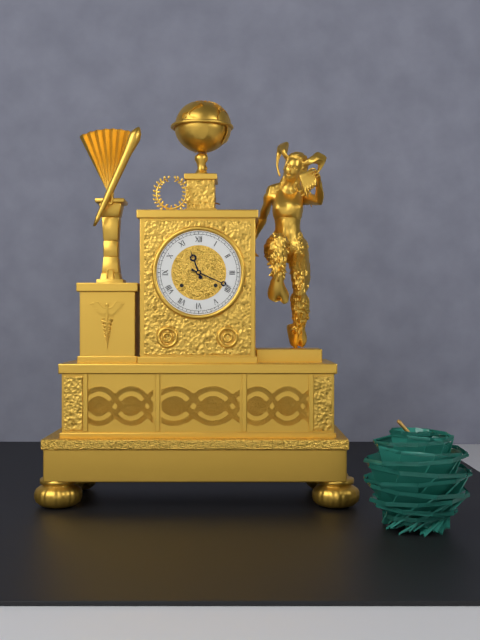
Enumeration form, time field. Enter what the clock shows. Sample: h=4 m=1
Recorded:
h=11 m=19
